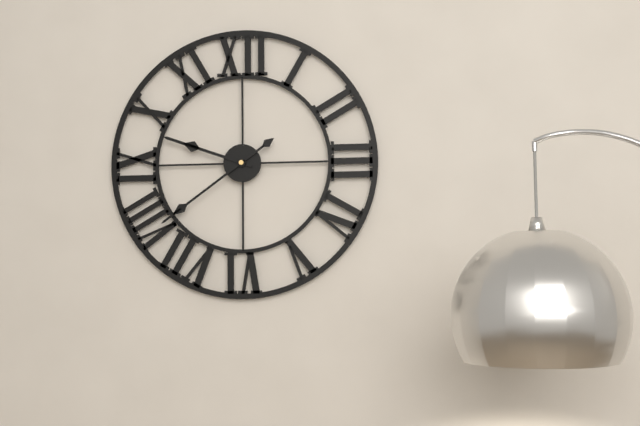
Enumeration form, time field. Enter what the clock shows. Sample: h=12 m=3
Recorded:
h=9 m=39
